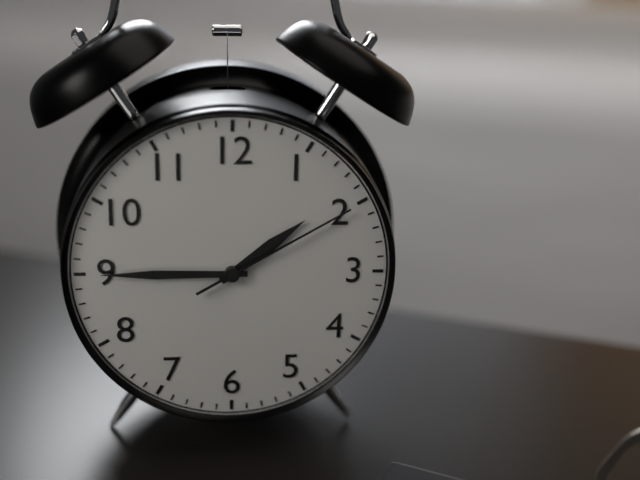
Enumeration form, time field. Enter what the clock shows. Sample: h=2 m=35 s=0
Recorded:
h=1 m=45 s=10
